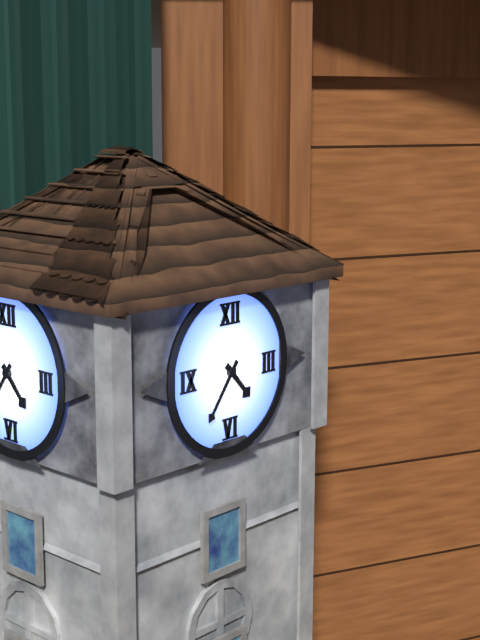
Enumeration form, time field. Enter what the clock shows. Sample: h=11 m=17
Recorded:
h=4 m=36
